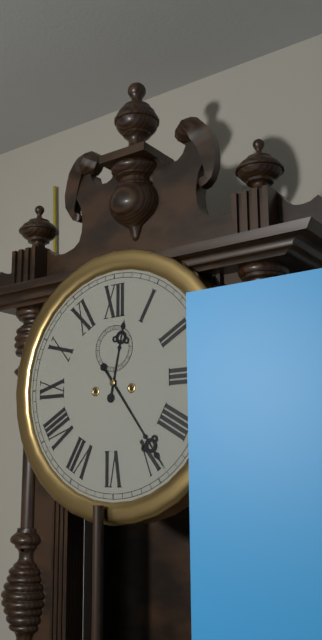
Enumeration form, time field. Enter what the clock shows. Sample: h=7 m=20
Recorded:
h=12 m=24
